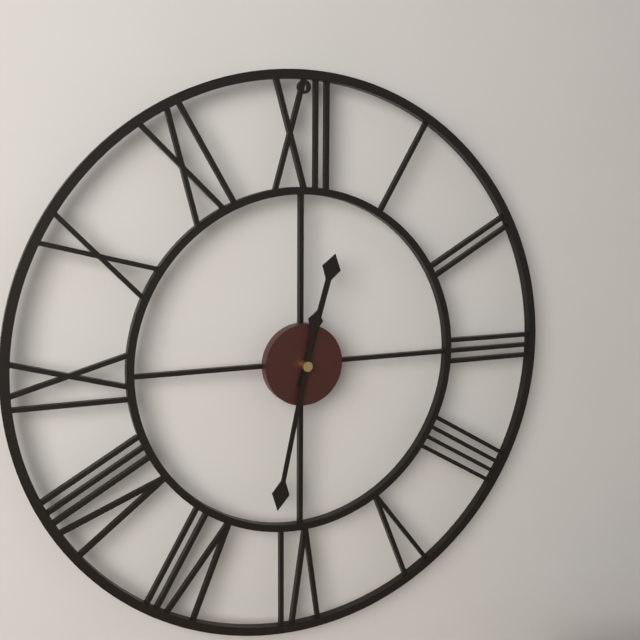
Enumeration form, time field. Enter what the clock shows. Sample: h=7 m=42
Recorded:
h=12 m=32
